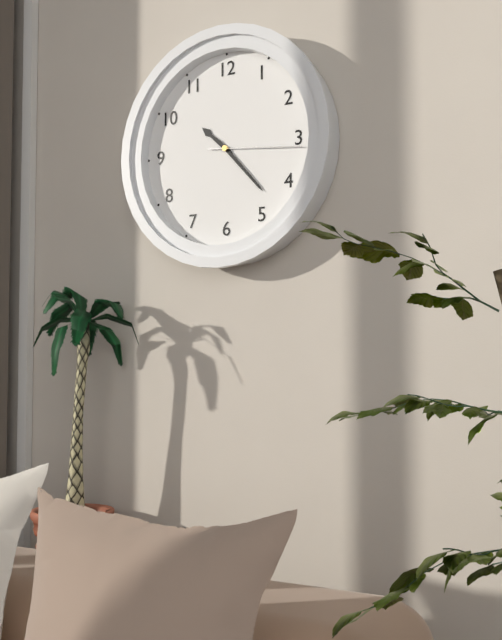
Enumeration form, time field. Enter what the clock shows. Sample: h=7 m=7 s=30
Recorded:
h=10 m=23 s=16
